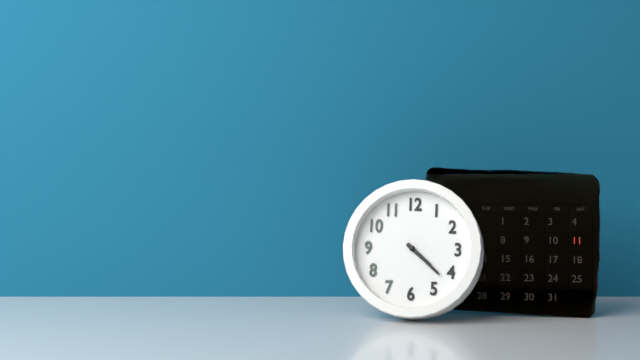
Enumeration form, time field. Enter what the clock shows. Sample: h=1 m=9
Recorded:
h=4 m=22
